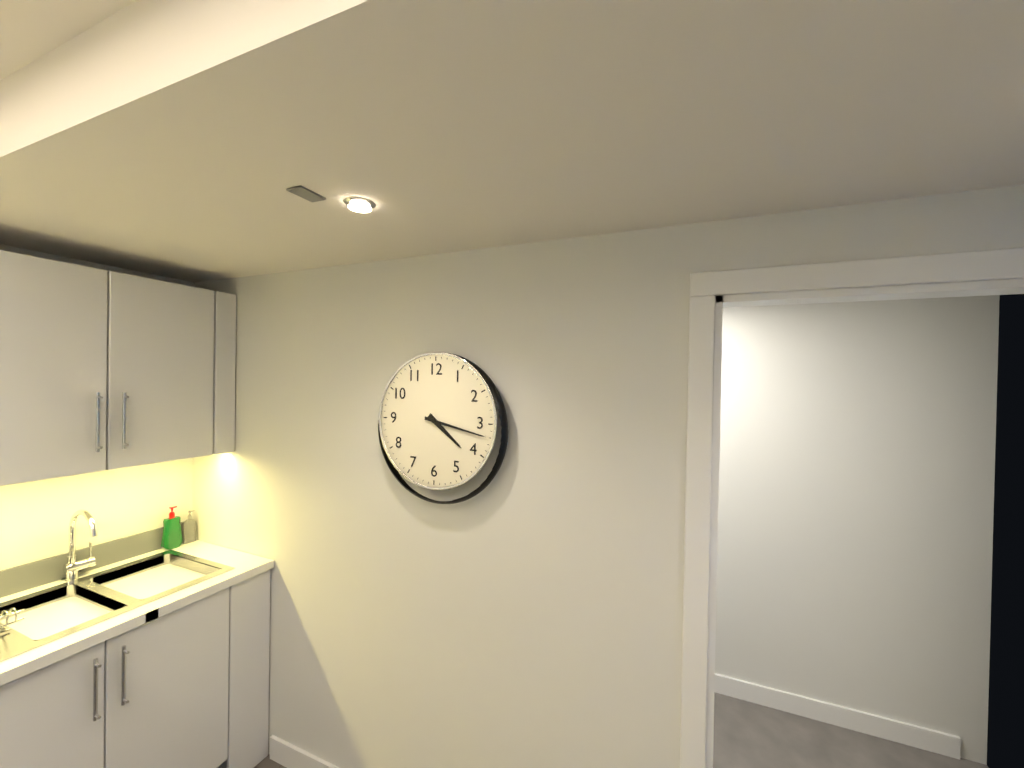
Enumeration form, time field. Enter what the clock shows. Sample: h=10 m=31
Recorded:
h=4 m=17
